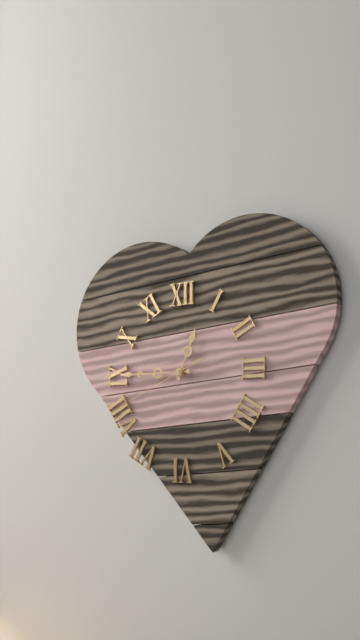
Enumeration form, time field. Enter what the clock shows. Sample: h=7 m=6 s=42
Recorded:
h=12 m=45 s=41
